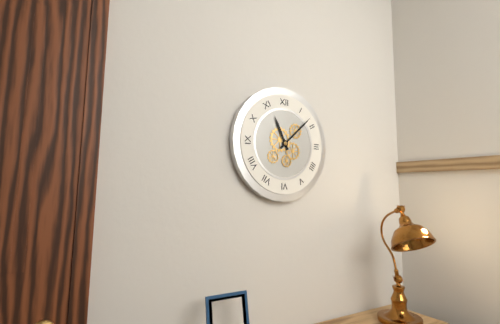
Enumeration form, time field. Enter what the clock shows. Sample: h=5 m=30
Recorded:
h=11 m=8
